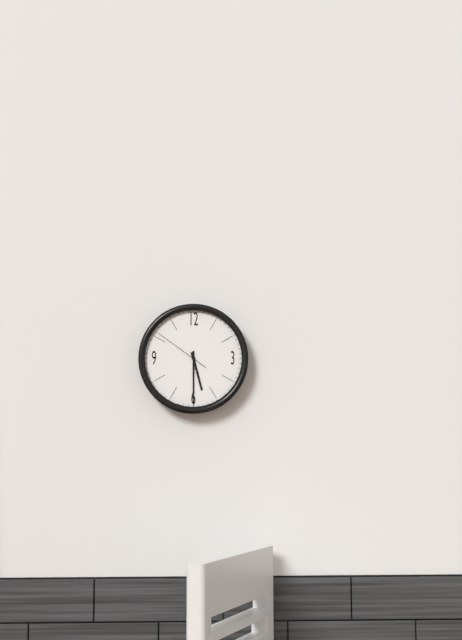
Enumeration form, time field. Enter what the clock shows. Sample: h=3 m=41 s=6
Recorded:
h=5 m=30 s=51
